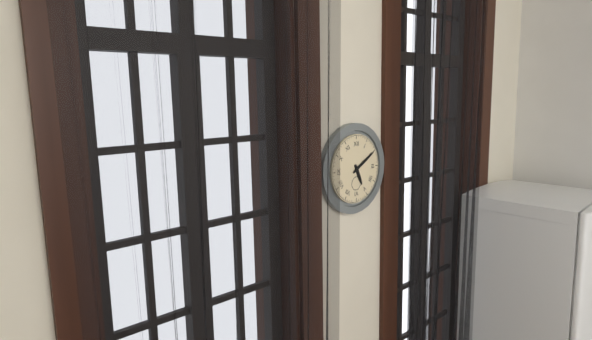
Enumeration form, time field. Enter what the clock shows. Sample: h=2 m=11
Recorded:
h=5 m=10
